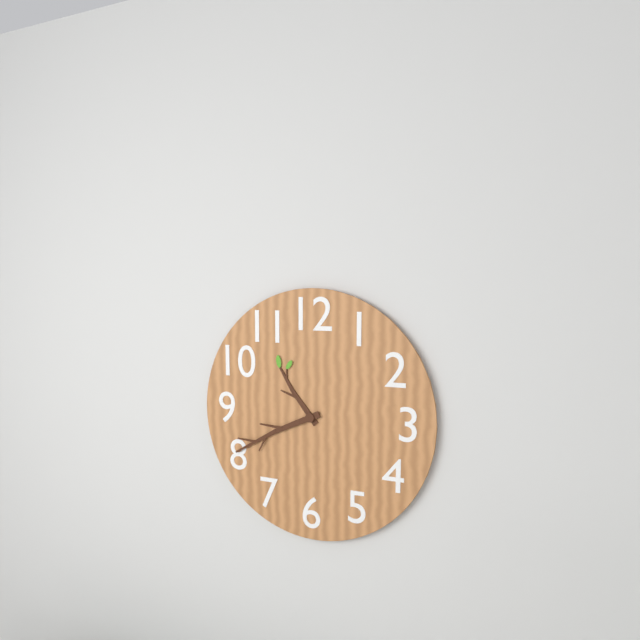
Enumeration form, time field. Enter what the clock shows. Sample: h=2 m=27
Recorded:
h=10 m=41
